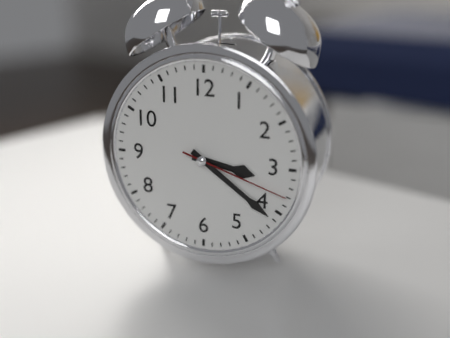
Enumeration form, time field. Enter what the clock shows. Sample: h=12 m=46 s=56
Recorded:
h=3 m=21 s=18
